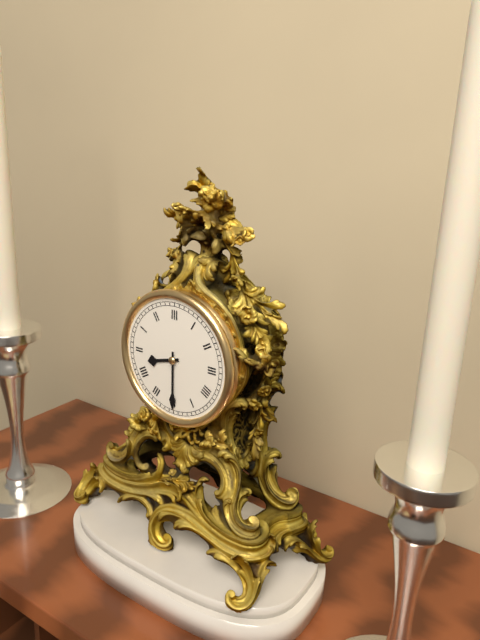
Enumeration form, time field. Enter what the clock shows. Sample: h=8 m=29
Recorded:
h=8 m=30
